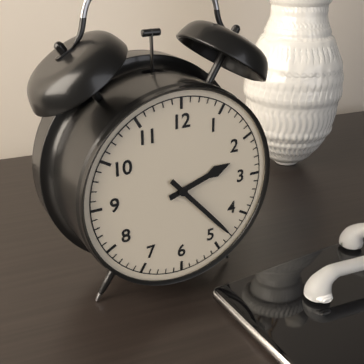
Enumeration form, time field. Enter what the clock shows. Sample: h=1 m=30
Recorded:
h=2 m=23
